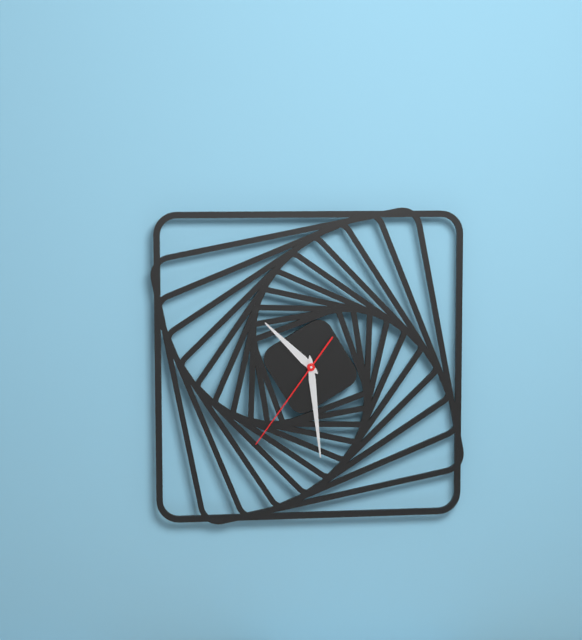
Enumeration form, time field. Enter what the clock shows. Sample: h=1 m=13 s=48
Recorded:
h=10 m=29 s=36
